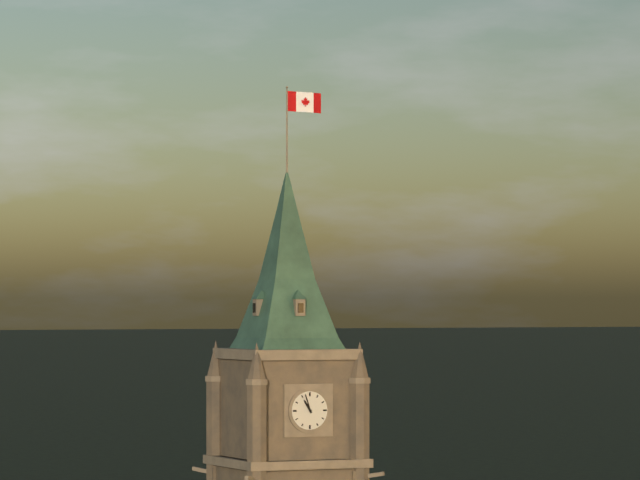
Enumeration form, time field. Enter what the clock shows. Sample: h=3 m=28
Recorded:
h=10 m=57
